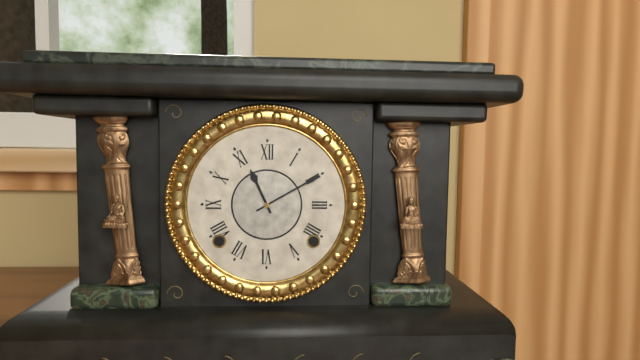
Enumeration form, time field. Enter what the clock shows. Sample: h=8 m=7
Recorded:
h=11 m=10
